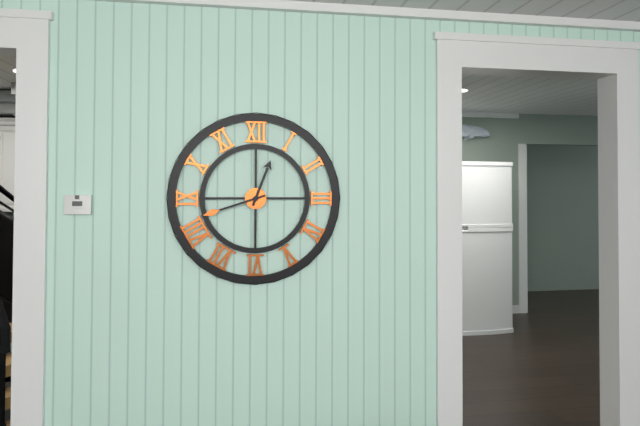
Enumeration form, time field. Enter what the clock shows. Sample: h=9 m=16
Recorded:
h=12 m=42
